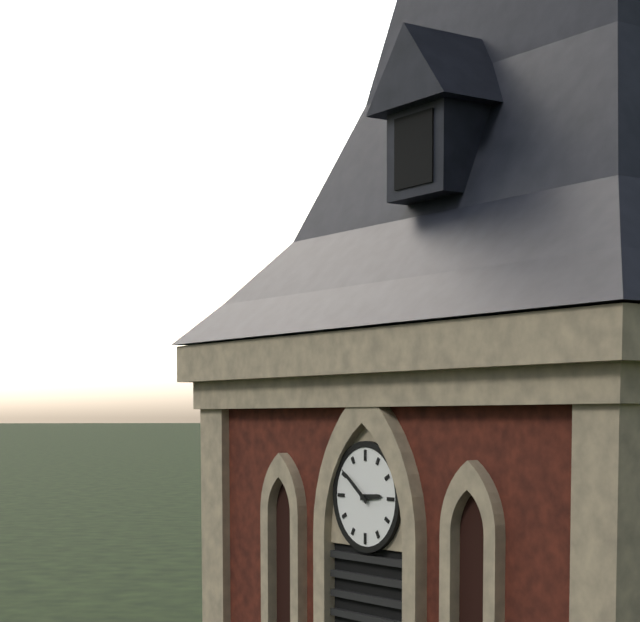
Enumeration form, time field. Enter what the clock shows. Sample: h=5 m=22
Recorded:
h=2 m=51
